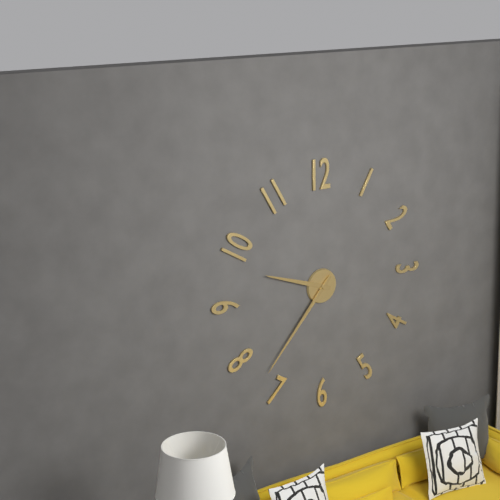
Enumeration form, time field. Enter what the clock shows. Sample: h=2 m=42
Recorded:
h=9 m=37
